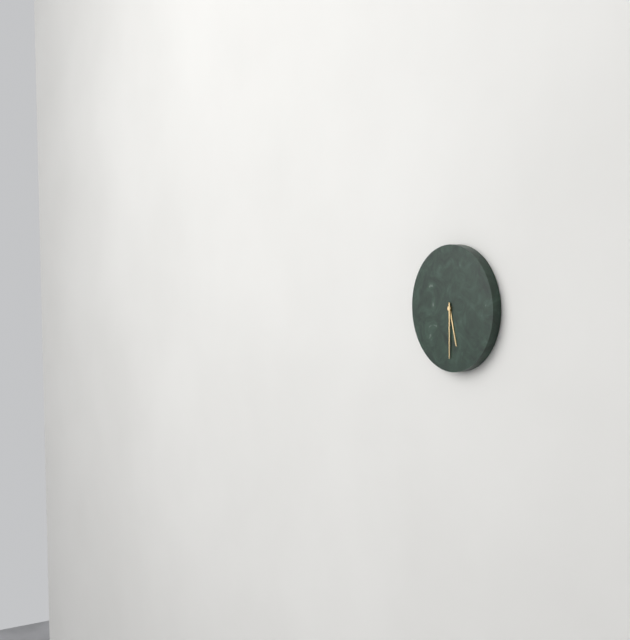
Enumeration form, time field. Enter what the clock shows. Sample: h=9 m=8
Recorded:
h=5 m=30
